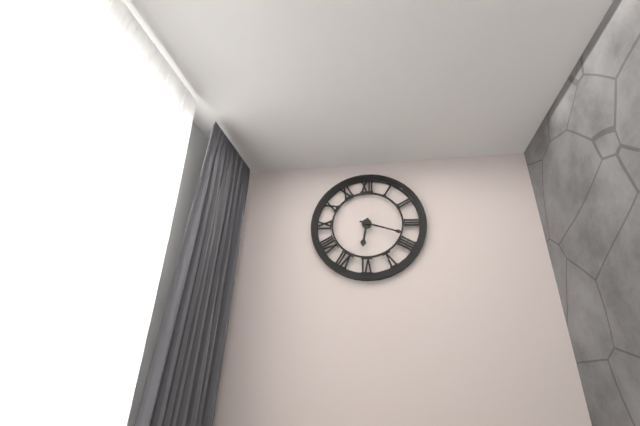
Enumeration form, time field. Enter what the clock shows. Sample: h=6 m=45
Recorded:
h=6 m=18
